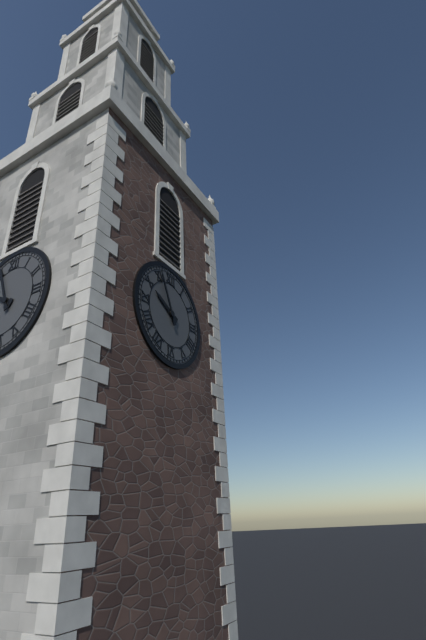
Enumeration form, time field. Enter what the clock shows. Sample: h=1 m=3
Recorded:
h=9 m=56
